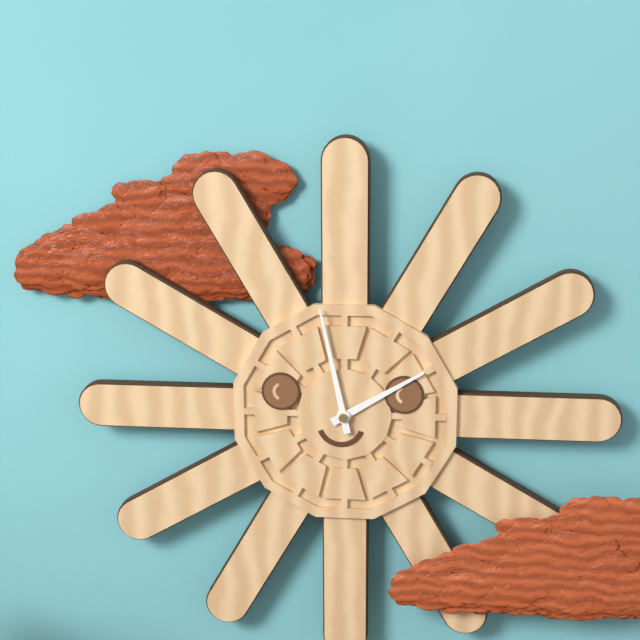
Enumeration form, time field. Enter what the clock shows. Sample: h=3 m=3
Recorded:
h=1 m=58
